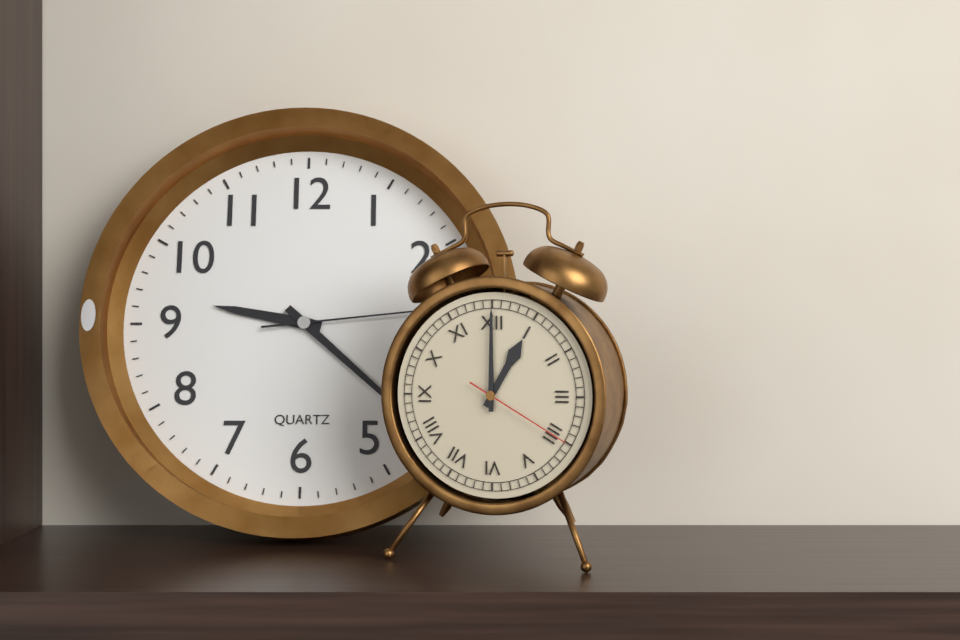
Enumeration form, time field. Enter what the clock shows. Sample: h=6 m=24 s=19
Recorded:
h=9 m=22 s=14
